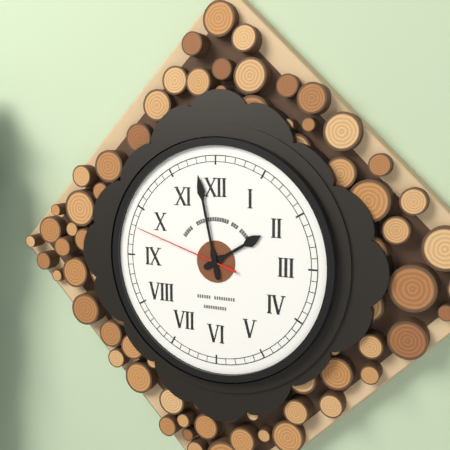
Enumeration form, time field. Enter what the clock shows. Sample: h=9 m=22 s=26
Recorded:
h=1 m=58 s=48
